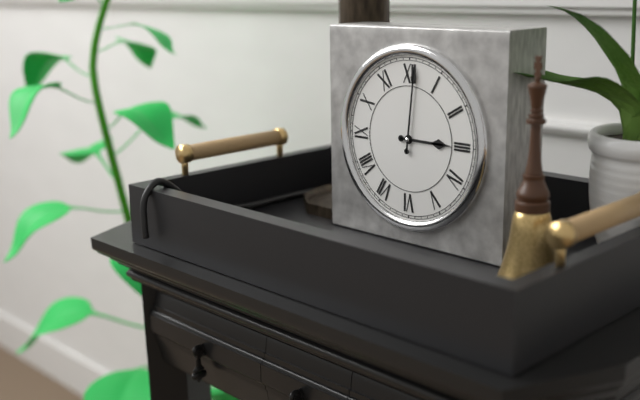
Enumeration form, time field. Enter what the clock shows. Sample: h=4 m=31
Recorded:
h=3 m=1
